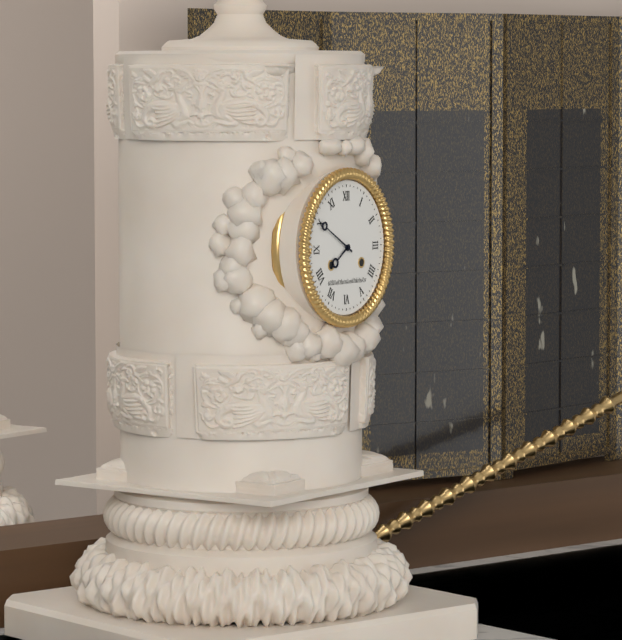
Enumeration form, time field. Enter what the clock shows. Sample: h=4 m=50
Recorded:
h=7 m=50
